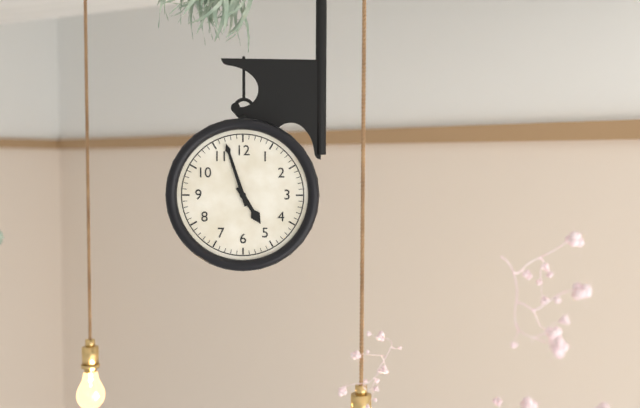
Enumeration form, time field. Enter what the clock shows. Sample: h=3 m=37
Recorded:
h=4 m=57
